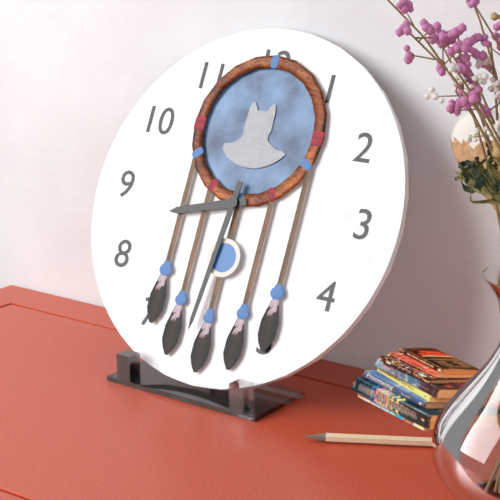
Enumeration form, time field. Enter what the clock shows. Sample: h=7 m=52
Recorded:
h=8 m=31
